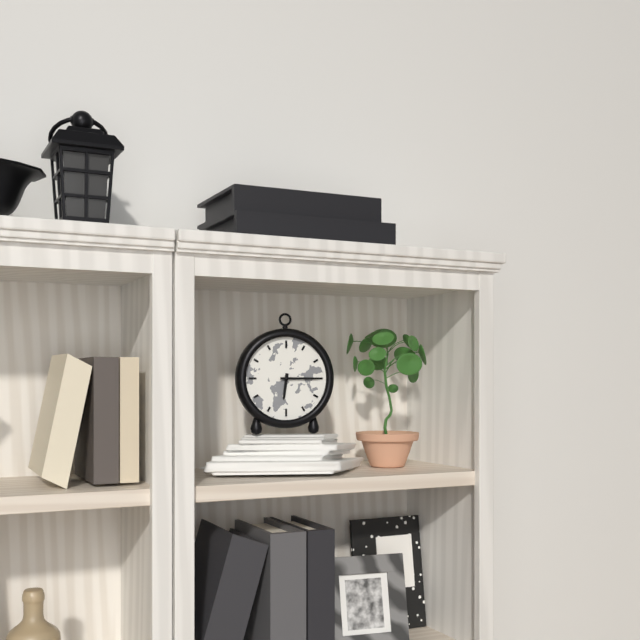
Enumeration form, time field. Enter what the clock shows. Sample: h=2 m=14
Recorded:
h=6 m=15
